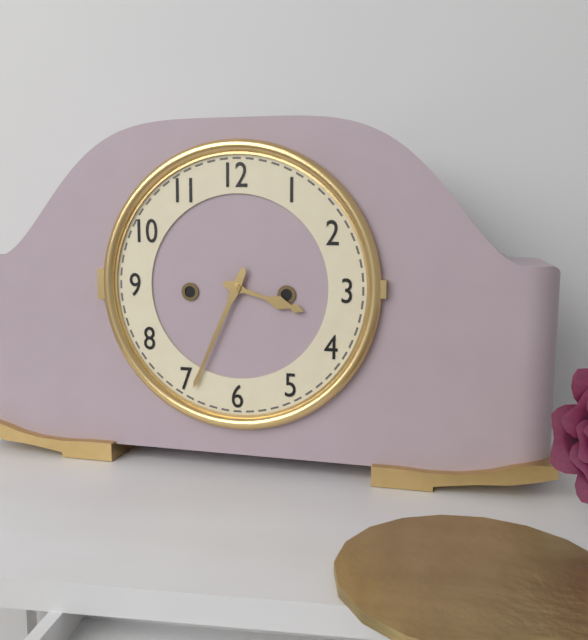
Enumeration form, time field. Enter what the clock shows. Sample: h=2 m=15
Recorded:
h=3 m=34
